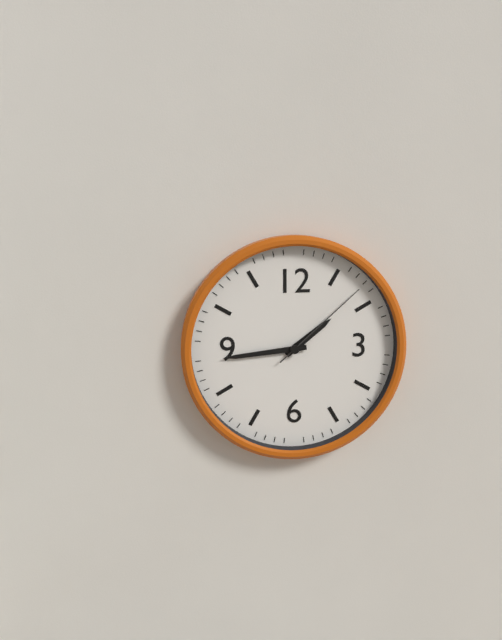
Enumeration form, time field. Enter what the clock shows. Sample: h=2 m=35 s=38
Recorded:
h=1 m=44 s=8
